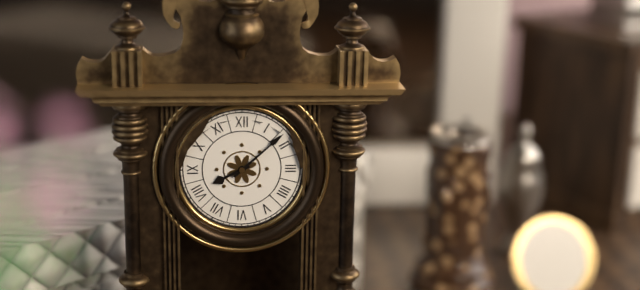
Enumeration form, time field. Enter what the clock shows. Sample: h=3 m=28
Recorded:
h=8 m=8
